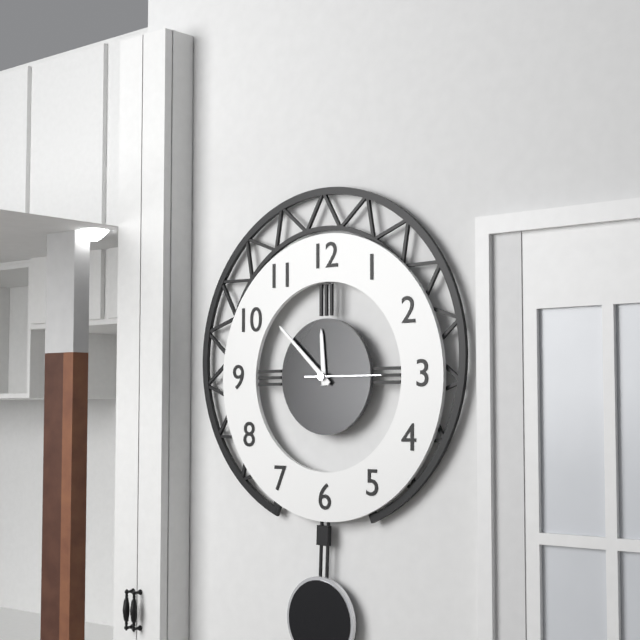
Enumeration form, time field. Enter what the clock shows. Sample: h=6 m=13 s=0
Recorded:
h=11 m=52 s=15
